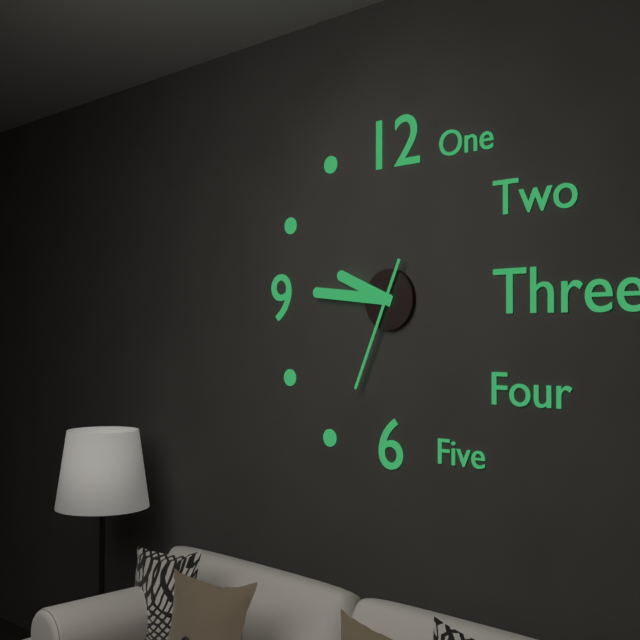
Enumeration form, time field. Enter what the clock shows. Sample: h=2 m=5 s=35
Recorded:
h=9 m=46 s=34
